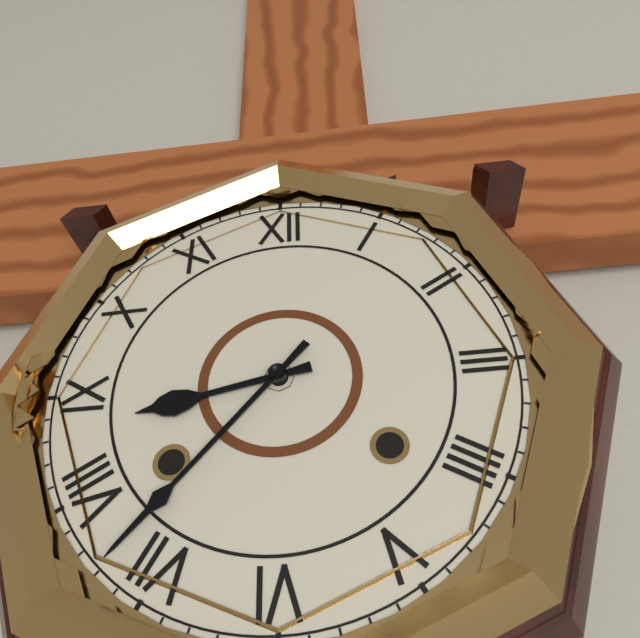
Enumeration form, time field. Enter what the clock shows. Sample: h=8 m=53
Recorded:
h=8 m=37
